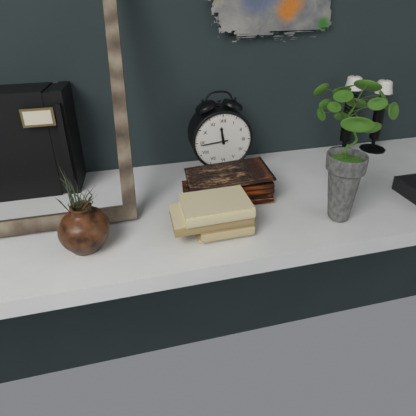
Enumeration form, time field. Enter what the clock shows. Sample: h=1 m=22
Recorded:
h=11 m=44
